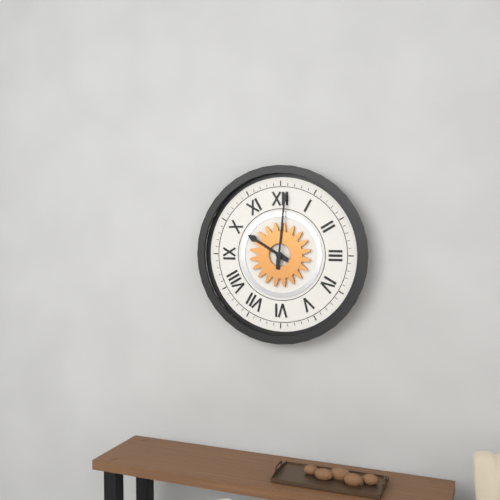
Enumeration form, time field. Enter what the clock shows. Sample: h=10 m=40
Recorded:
h=10 m=1
